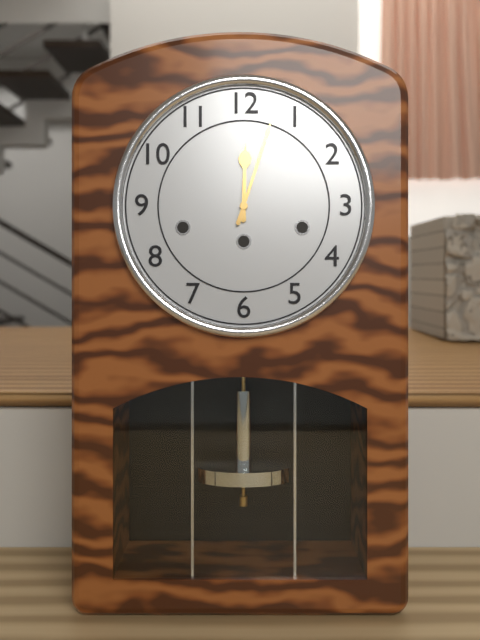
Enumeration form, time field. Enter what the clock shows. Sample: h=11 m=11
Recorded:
h=12 m=3
